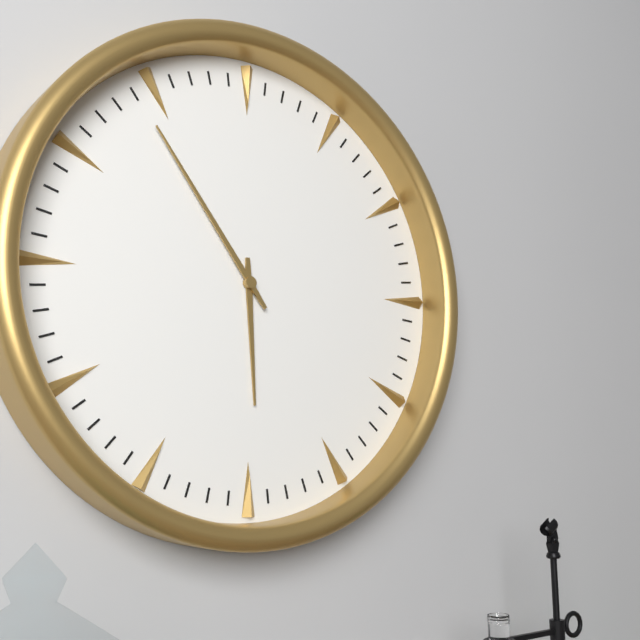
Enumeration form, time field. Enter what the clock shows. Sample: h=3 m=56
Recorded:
h=5 m=54
